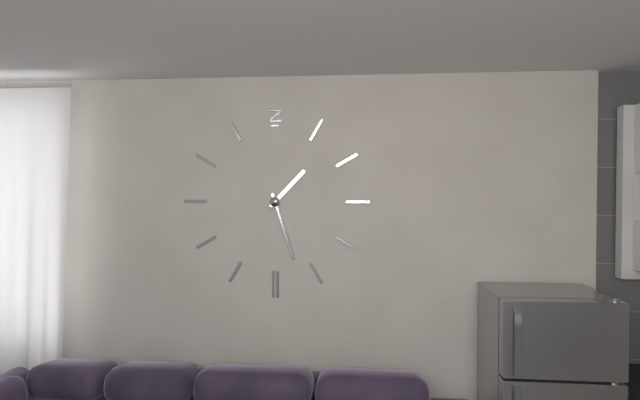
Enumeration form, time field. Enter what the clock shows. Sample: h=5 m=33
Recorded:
h=1 m=27
